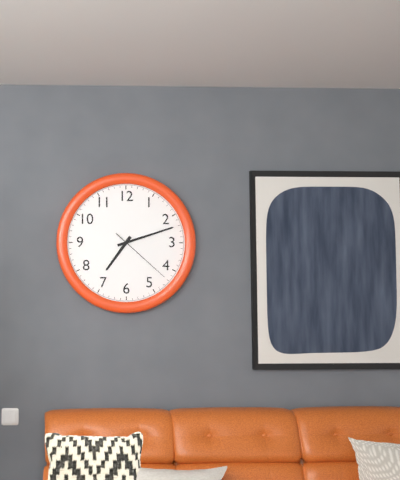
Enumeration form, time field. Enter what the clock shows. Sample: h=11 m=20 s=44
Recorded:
h=7 m=12 s=22
